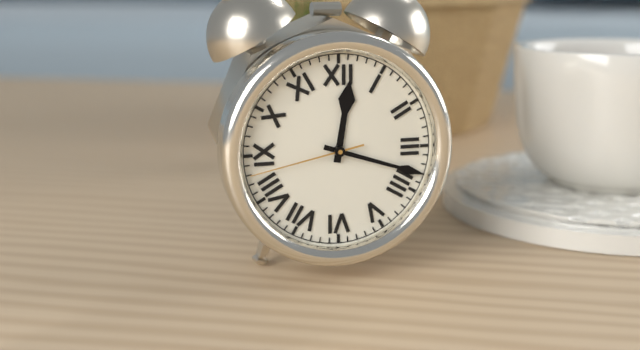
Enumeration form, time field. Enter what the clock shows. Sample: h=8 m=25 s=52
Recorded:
h=12 m=18 s=43
